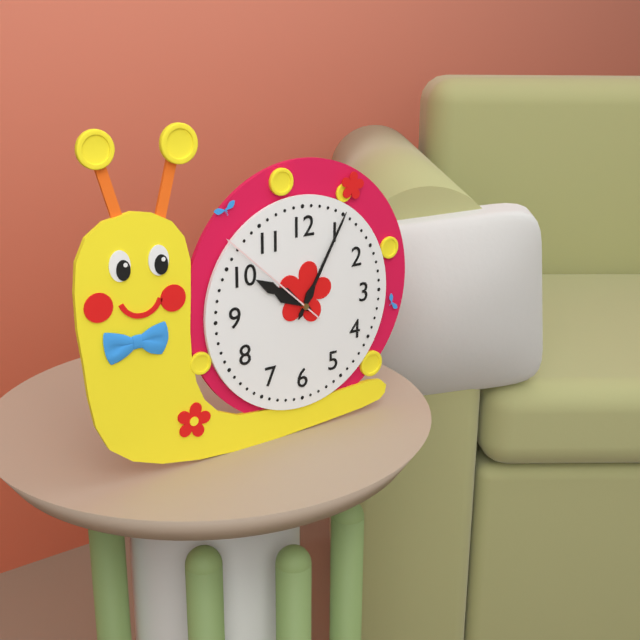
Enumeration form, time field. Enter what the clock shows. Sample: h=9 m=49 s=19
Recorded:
h=10 m=5 s=52
